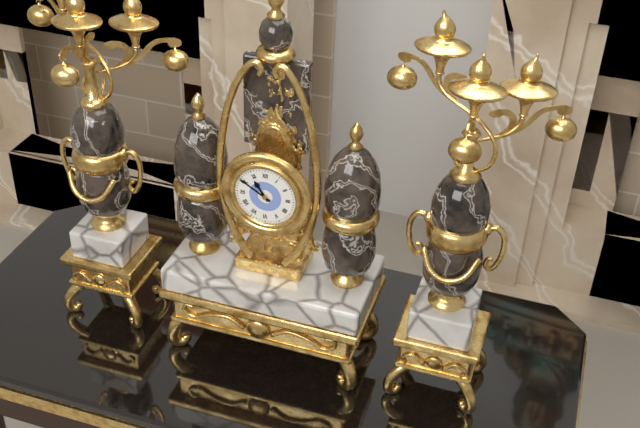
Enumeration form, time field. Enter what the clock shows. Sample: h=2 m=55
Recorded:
h=10 m=50
